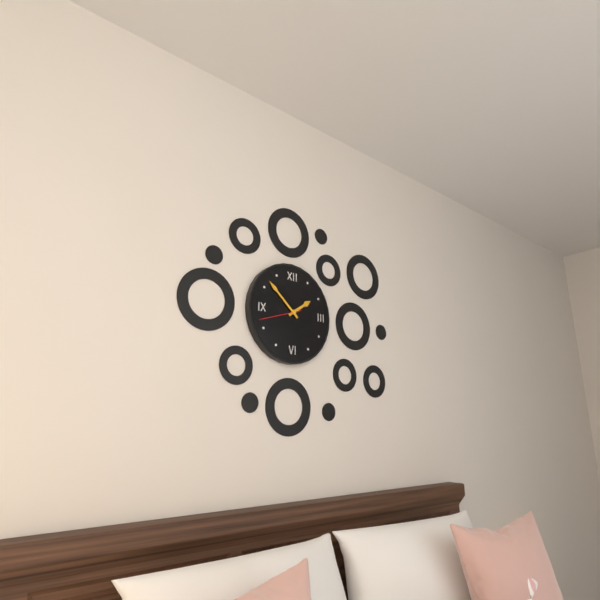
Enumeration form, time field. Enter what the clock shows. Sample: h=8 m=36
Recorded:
h=1 m=52
